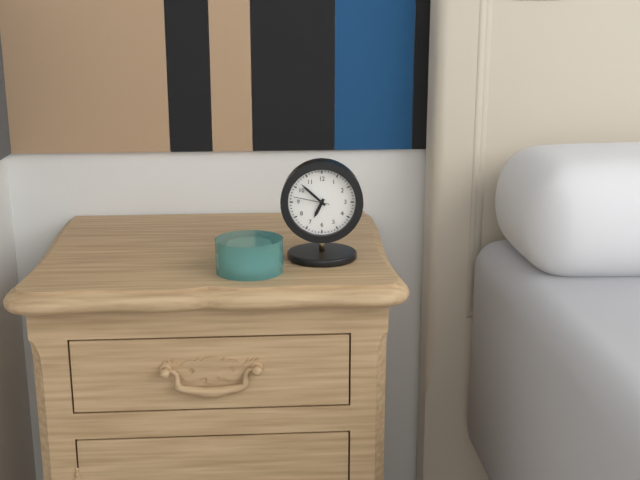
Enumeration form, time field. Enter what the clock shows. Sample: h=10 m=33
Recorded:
h=6 m=52
